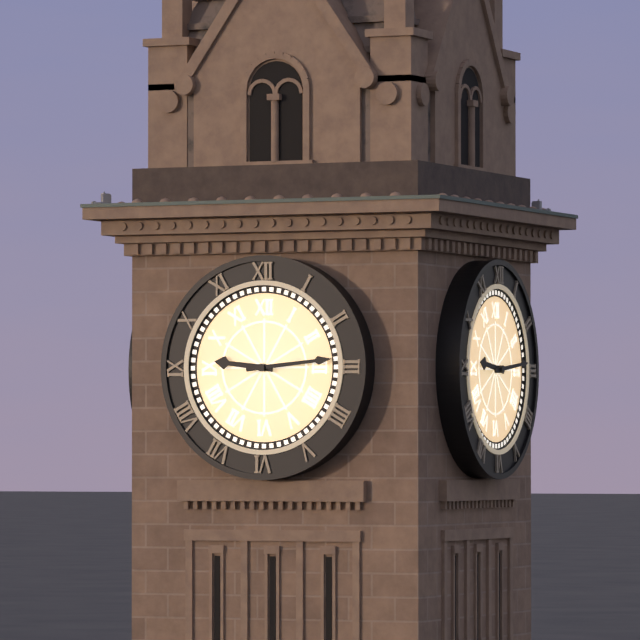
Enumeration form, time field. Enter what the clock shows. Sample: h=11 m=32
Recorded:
h=9 m=14
